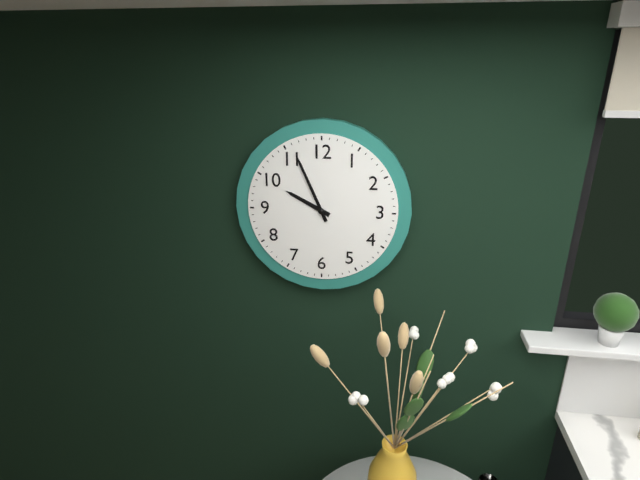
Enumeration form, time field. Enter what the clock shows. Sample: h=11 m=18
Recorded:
h=9 m=56
